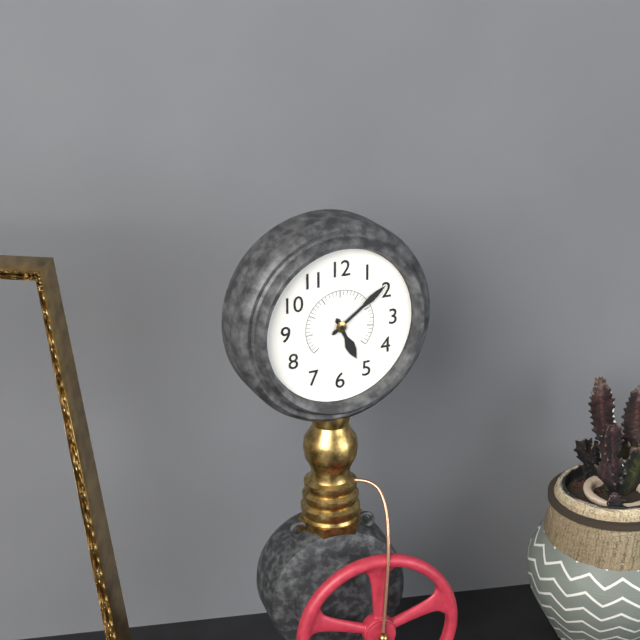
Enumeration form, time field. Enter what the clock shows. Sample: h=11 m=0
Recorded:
h=5 m=9
